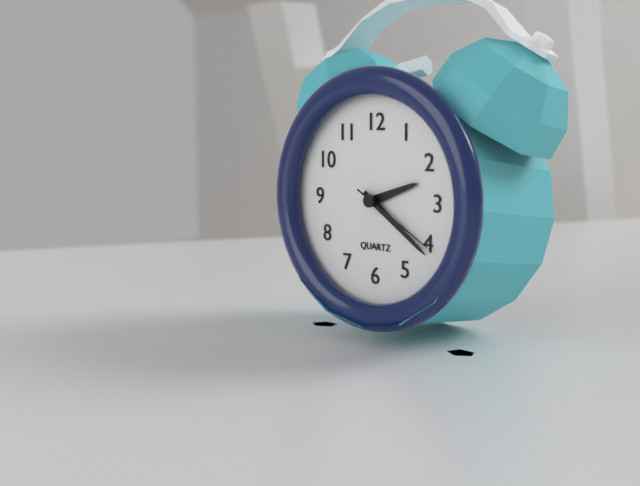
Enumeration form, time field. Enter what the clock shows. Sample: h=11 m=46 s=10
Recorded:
h=2 m=21 s=20
